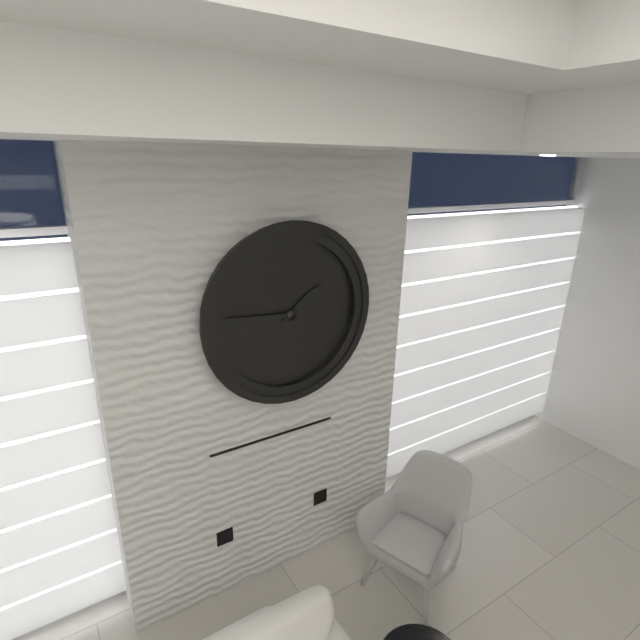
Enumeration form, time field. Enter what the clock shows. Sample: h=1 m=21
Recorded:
h=1 m=46
